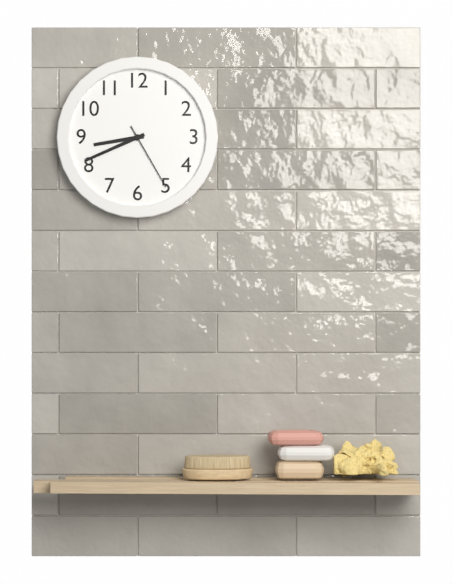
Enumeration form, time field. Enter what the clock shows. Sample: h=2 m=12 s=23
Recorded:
h=8 m=41 s=25
